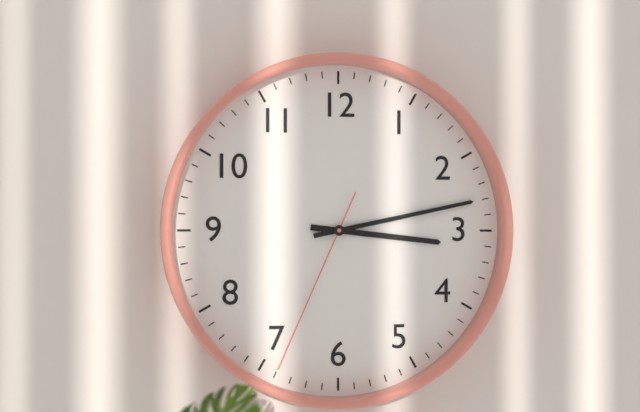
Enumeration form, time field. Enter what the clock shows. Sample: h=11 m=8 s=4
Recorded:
h=3 m=13 s=34
